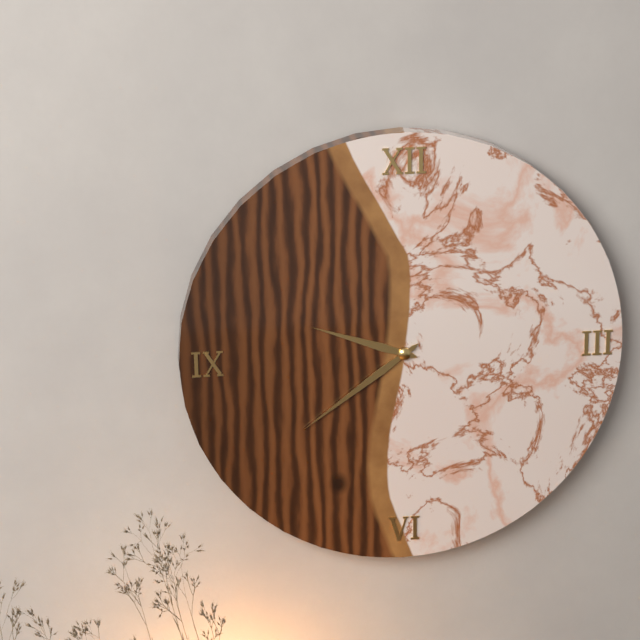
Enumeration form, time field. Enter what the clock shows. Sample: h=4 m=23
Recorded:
h=9 m=39
